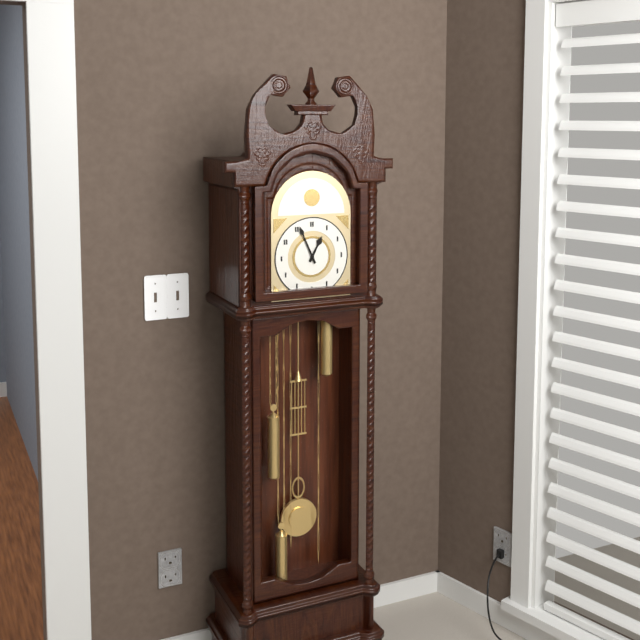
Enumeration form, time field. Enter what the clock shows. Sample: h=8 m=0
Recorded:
h=12 m=56
